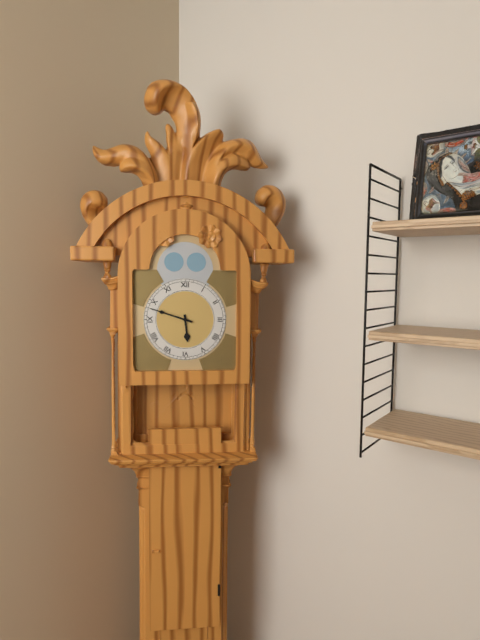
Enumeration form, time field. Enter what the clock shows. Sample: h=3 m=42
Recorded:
h=5 m=48
